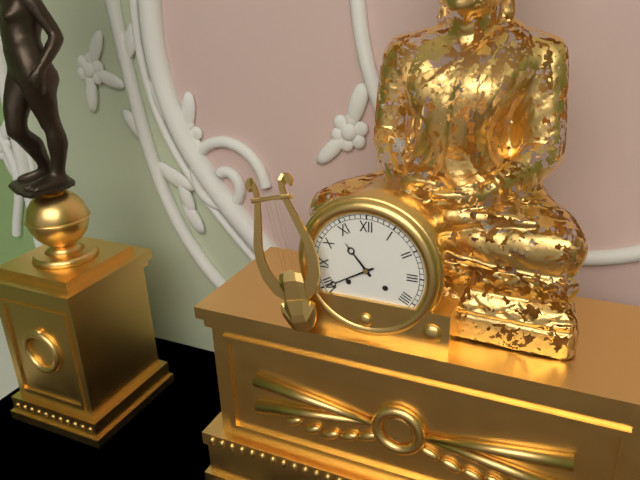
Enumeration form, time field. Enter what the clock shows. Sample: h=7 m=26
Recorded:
h=10 m=40
